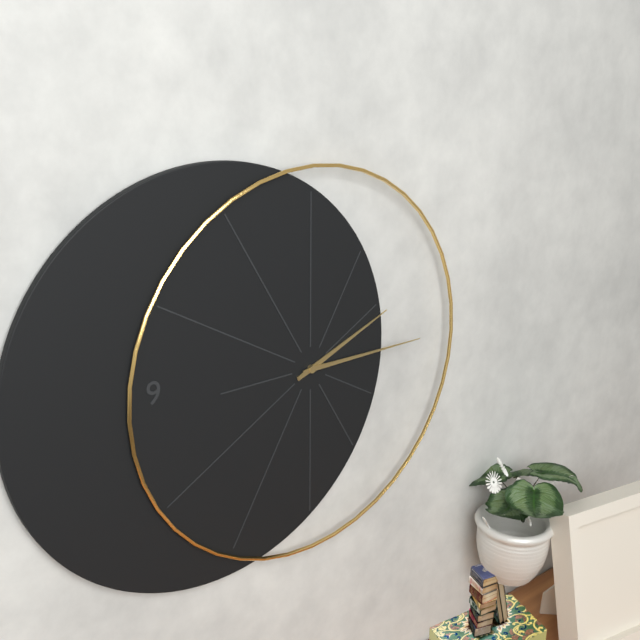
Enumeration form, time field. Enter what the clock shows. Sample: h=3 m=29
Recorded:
h=2 m=15
